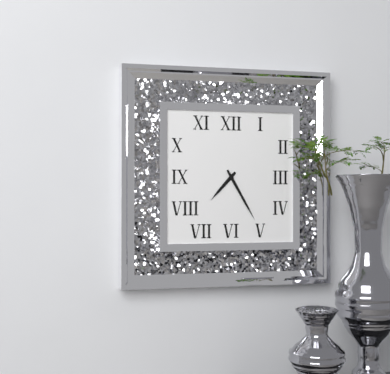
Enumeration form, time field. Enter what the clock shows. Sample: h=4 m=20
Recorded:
h=7 m=25
